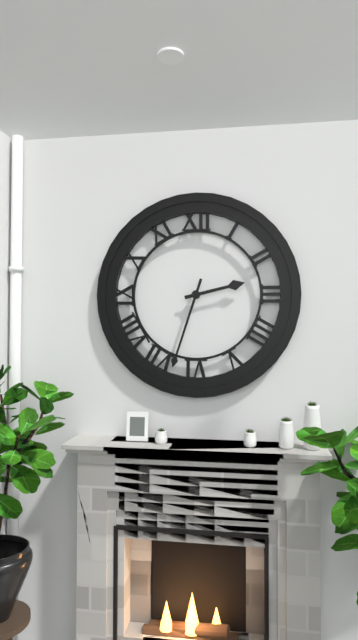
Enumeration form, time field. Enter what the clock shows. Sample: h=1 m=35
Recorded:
h=2 m=33
